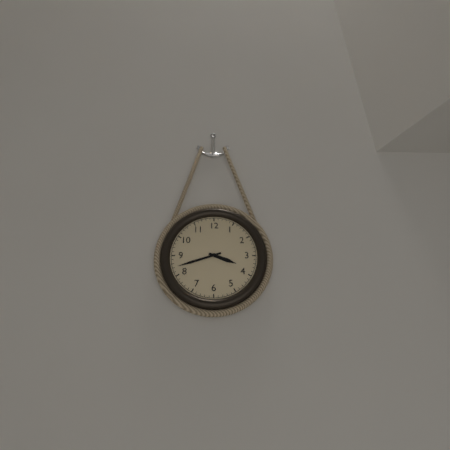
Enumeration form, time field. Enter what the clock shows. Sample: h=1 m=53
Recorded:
h=3 m=42
